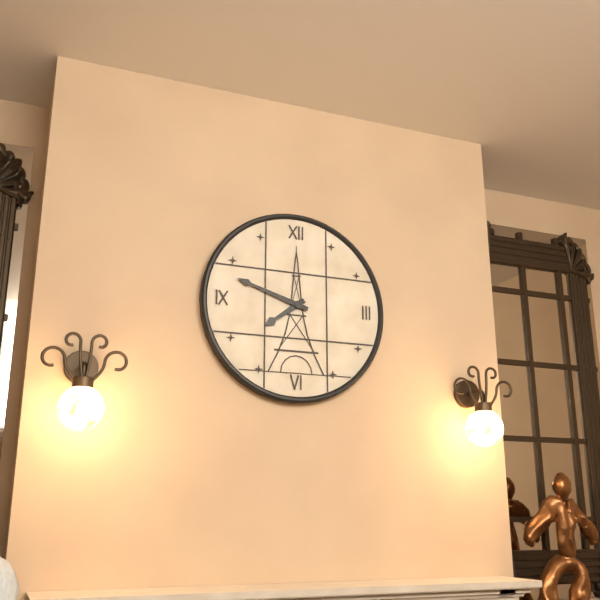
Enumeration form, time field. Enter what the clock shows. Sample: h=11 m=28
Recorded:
h=7 m=48
